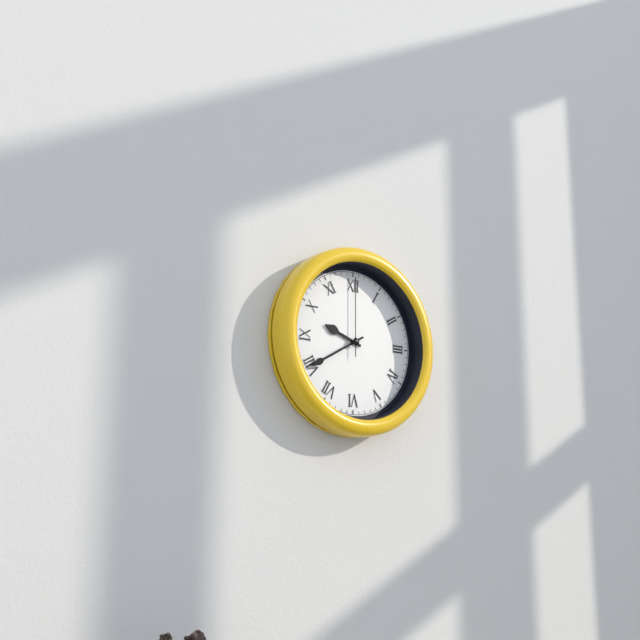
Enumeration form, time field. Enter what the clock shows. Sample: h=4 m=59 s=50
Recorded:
h=9 m=40 s=0
